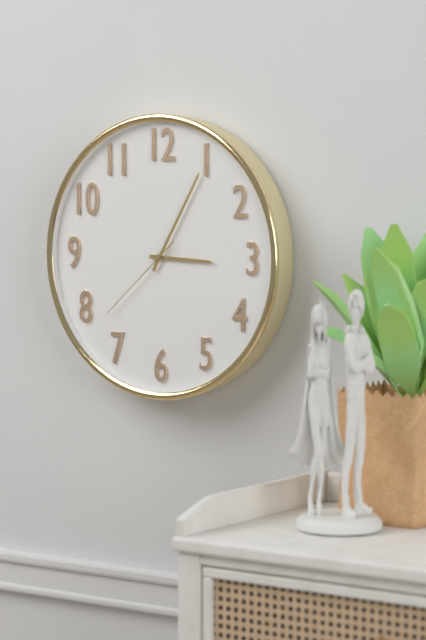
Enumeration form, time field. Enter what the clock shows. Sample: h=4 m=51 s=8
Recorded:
h=3 m=5 s=38
